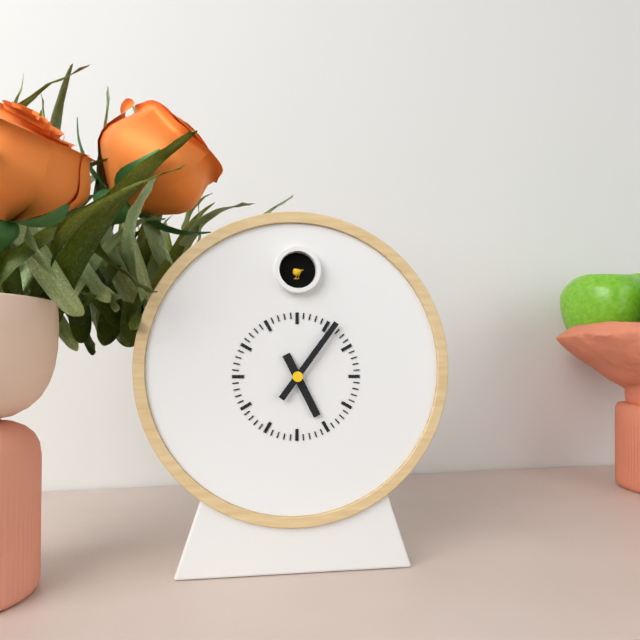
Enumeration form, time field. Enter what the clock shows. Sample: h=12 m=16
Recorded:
h=5 m=6
